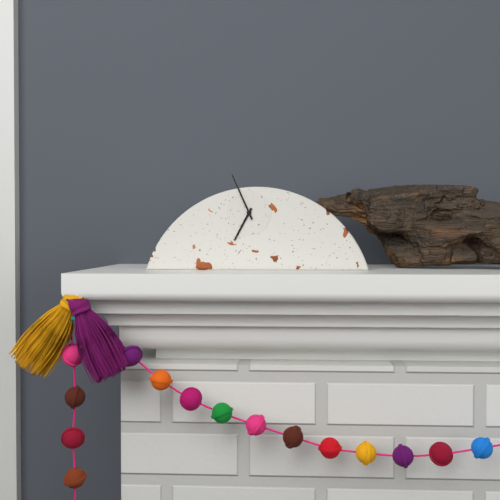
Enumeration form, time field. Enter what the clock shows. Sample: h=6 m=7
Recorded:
h=6 m=56
